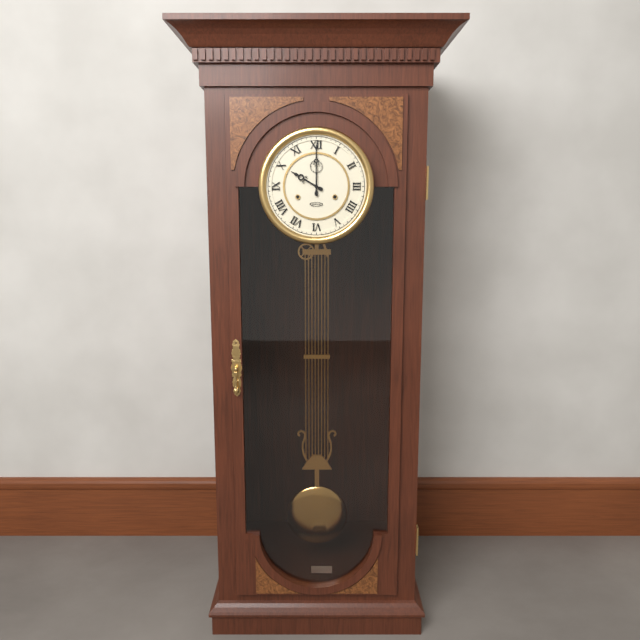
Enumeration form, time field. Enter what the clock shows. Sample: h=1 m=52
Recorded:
h=10 m=0
